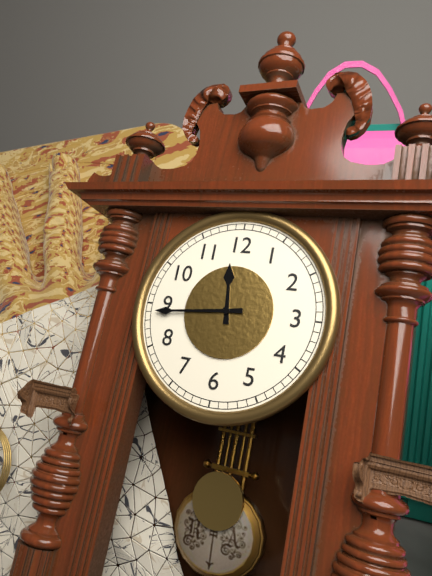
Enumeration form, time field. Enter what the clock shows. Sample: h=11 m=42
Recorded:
h=11 m=44
